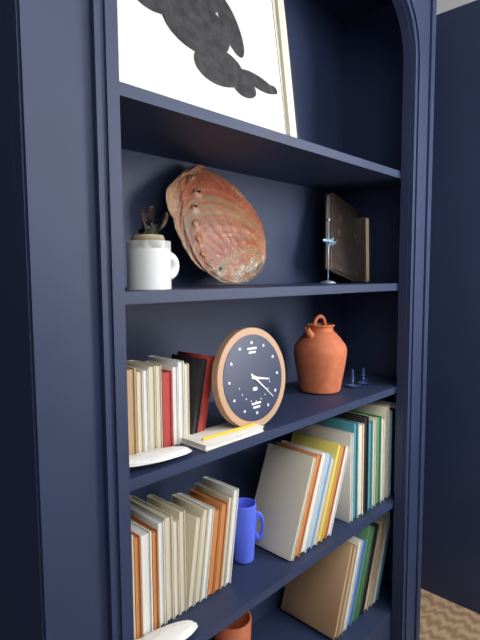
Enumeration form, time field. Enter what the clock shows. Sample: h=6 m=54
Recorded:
h=3 m=22
